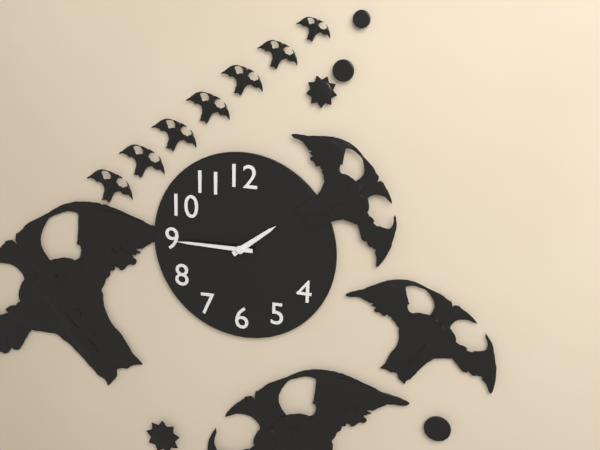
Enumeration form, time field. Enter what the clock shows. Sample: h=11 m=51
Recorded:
h=1 m=45
